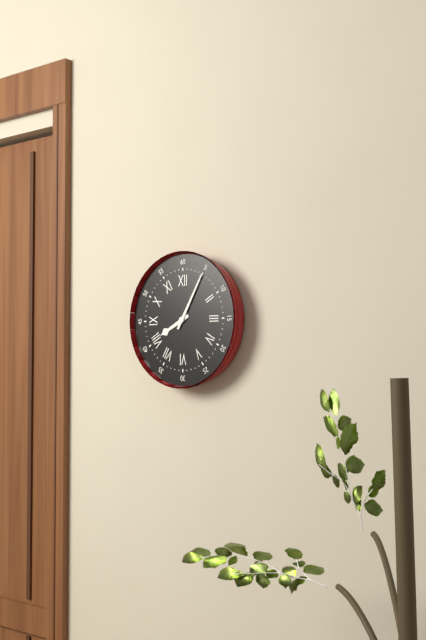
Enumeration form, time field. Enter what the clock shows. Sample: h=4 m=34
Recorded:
h=8 m=5
